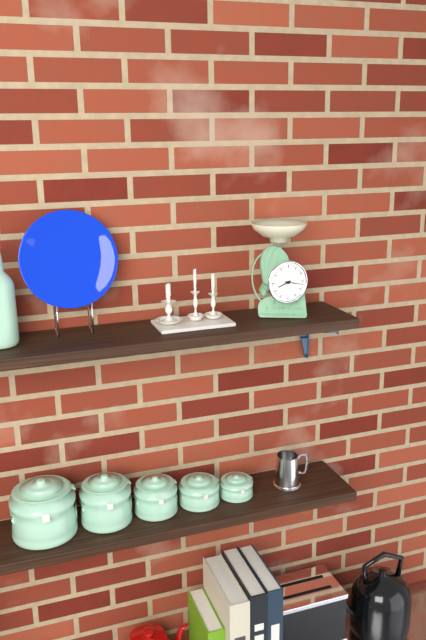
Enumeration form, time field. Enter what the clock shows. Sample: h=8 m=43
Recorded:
h=8 m=17
